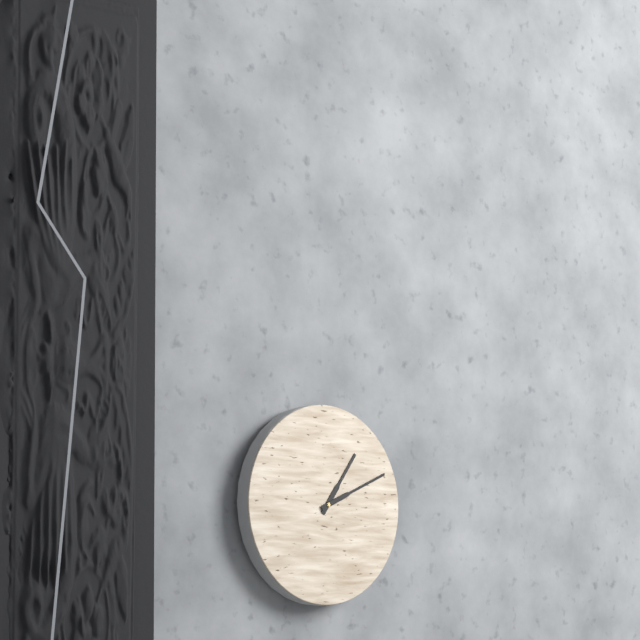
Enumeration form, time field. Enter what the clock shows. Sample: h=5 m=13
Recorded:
h=1 m=11
